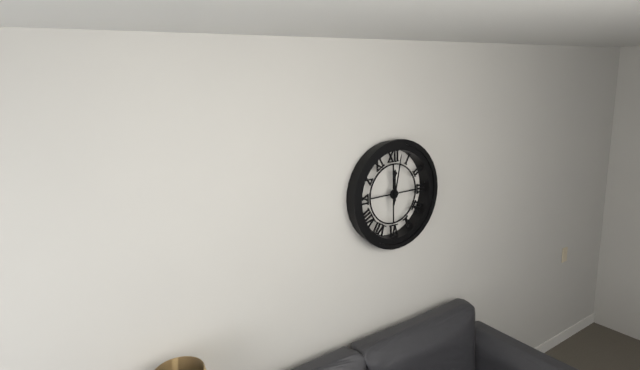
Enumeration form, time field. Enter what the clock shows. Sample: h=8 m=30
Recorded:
h=12 m=2
